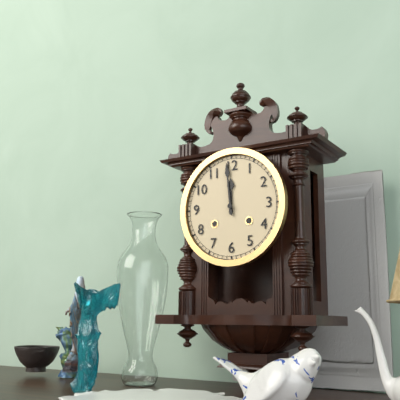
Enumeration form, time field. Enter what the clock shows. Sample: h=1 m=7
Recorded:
h=11 m=59
